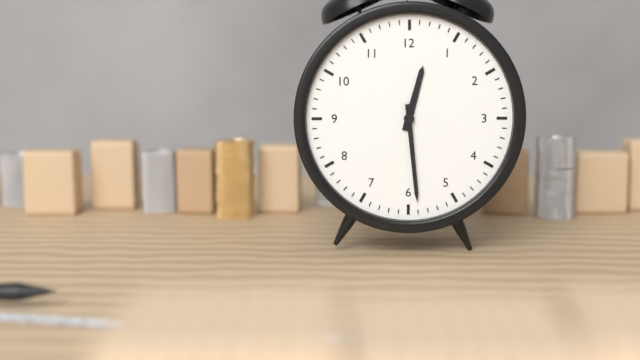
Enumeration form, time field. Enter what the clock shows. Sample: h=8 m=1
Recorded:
h=12 m=29
